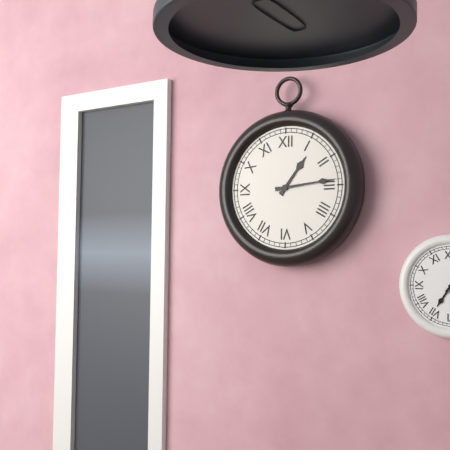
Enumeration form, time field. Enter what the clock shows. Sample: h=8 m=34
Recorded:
h=1 m=14
